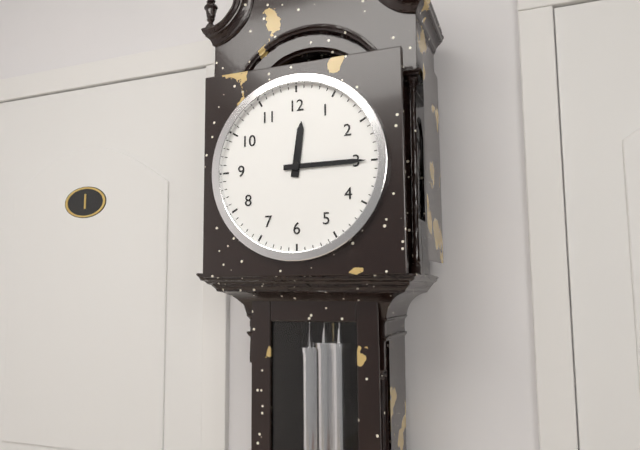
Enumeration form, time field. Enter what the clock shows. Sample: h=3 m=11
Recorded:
h=12 m=15
